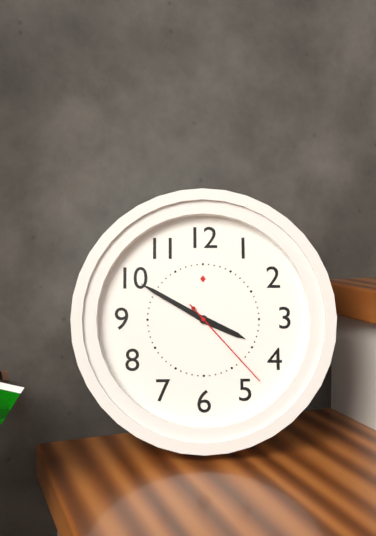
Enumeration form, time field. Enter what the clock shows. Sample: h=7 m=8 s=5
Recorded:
h=3 m=50 s=23
